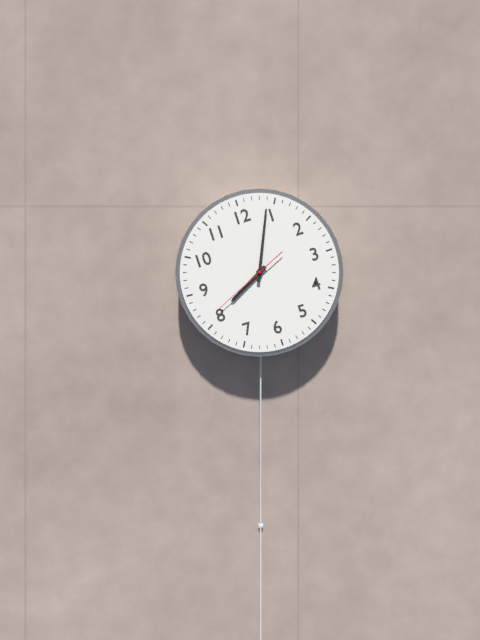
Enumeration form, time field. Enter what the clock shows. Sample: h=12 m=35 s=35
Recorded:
h=8 m=4 s=41
